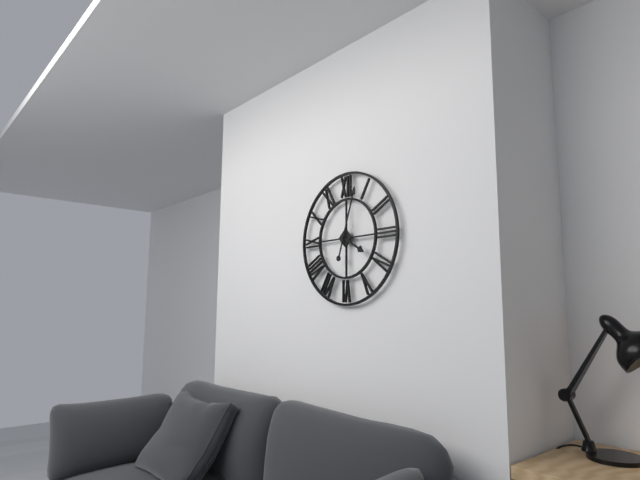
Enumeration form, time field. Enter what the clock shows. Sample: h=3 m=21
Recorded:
h=4 m=3
